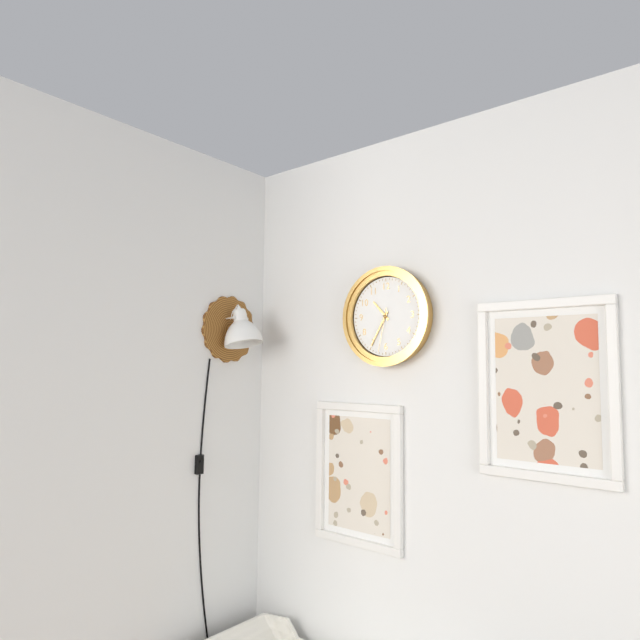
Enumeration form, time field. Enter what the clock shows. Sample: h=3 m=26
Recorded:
h=10 m=35
